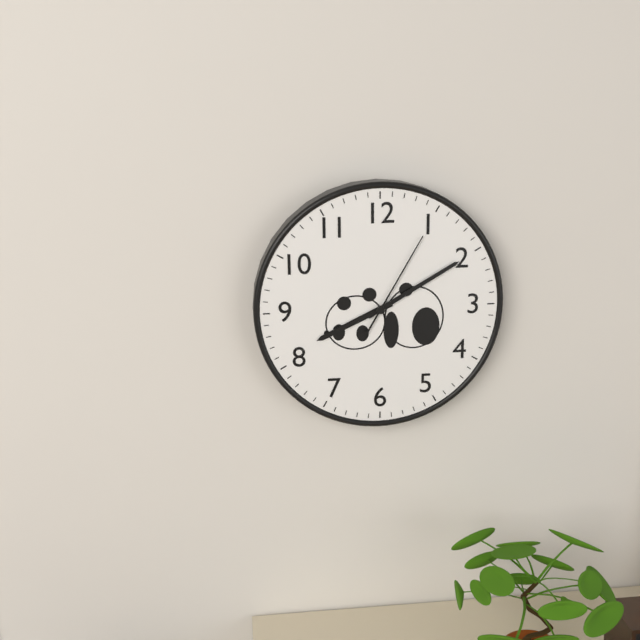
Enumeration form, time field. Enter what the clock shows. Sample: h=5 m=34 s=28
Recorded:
h=8 m=10 s=5
